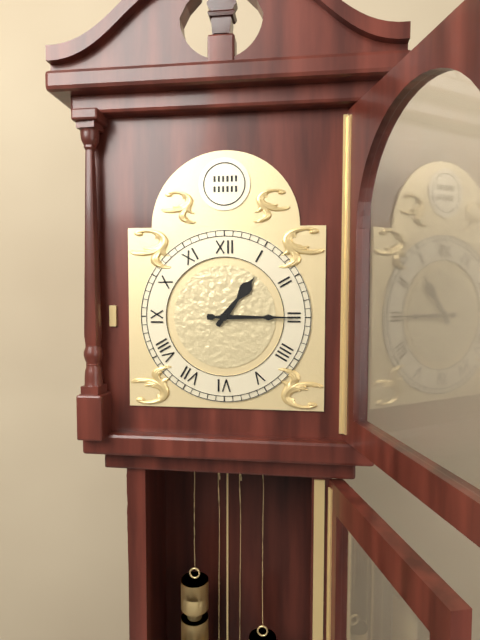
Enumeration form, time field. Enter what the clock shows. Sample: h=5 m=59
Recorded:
h=1 m=15
